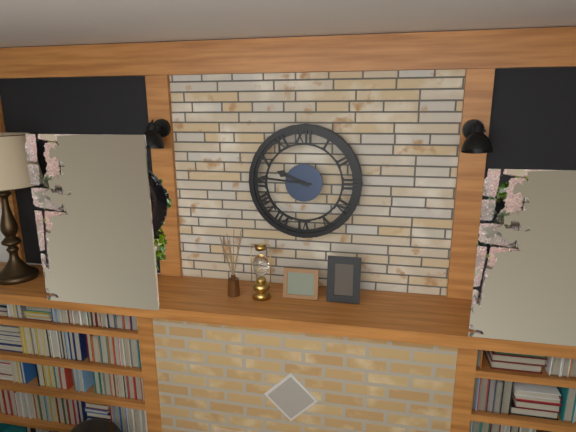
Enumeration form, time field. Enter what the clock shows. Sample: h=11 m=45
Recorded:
h=9 m=46
